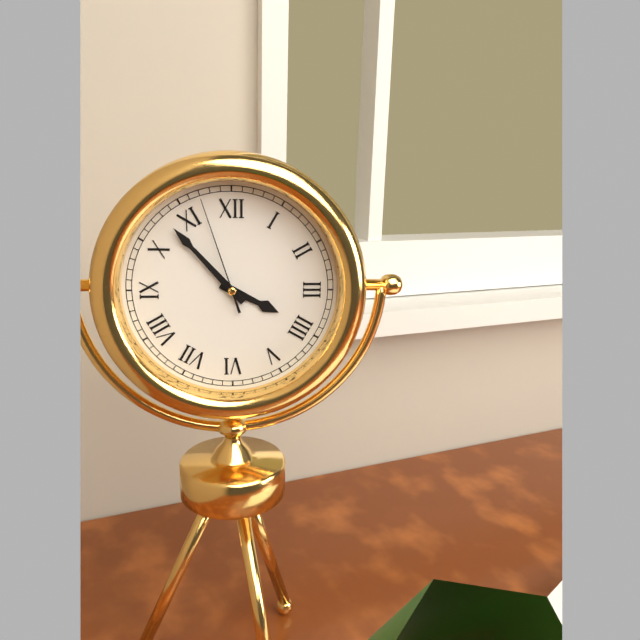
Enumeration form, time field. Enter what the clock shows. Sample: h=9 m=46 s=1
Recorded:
h=3 m=53 s=57
